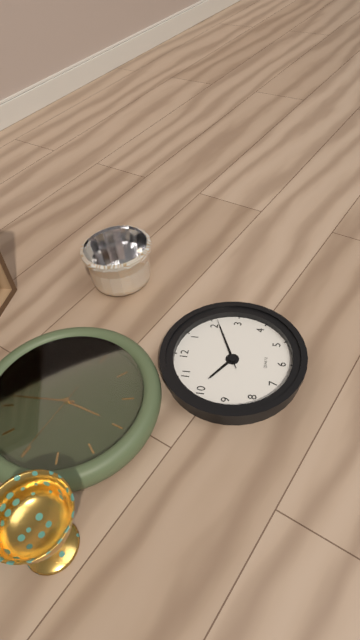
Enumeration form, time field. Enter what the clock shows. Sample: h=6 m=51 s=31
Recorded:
h=10 m=11 s=11
